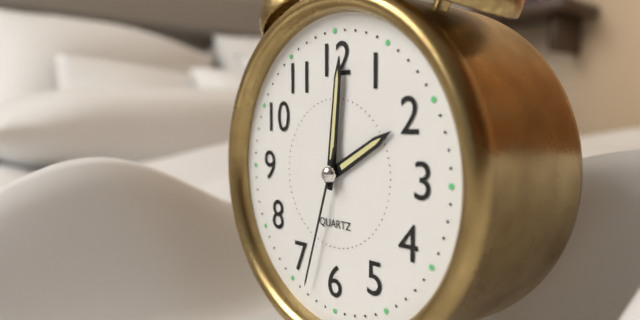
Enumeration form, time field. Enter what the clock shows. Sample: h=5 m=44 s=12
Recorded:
h=2 m=1 s=33
